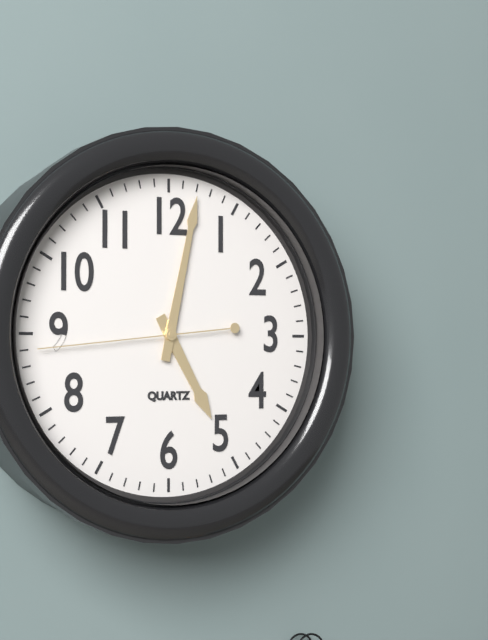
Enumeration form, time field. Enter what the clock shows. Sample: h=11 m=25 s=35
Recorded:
h=5 m=2 s=44
